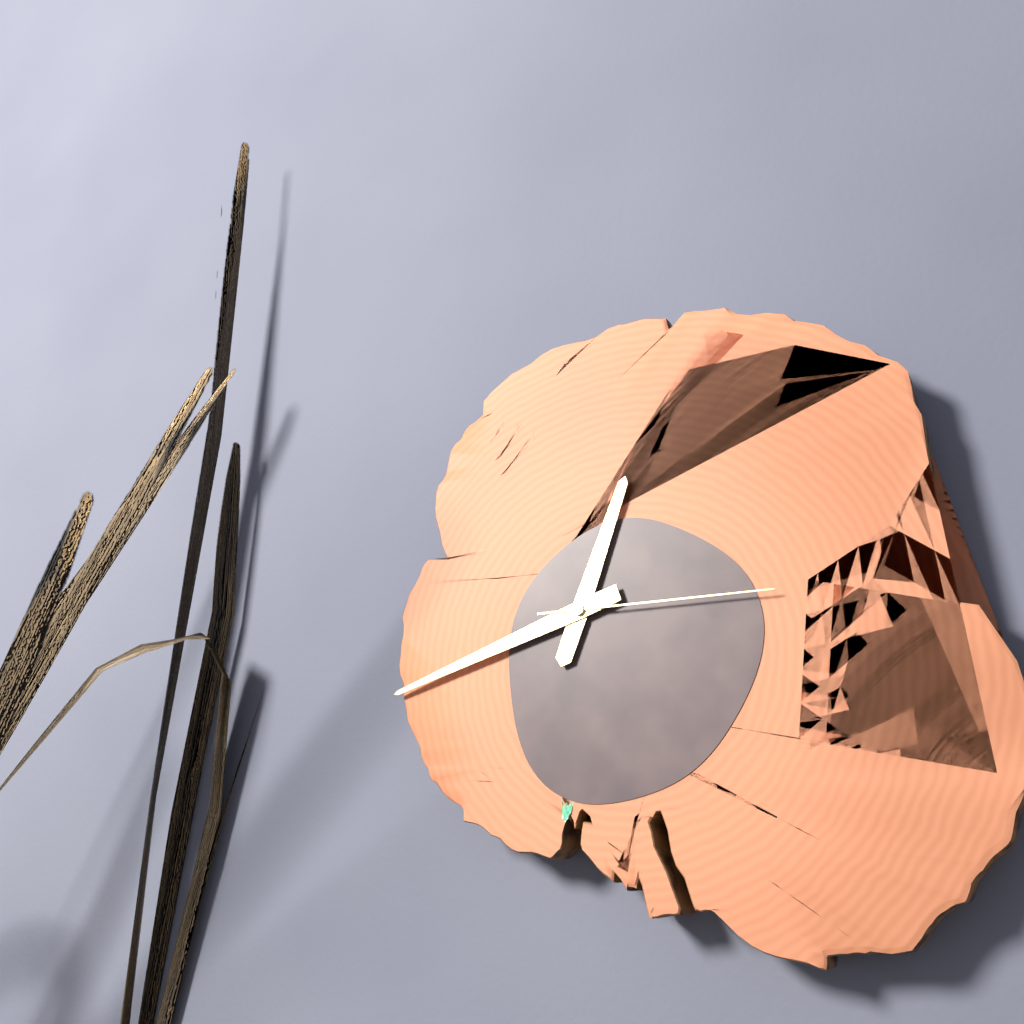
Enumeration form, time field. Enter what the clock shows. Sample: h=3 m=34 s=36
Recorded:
h=12 m=42 s=15
